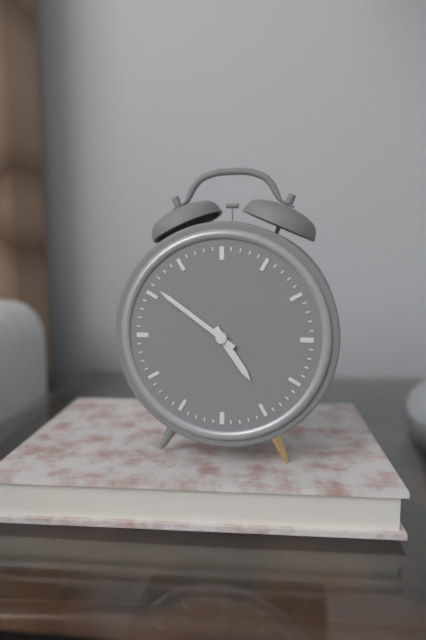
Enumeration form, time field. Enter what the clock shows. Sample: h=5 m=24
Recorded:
h=4 m=51
